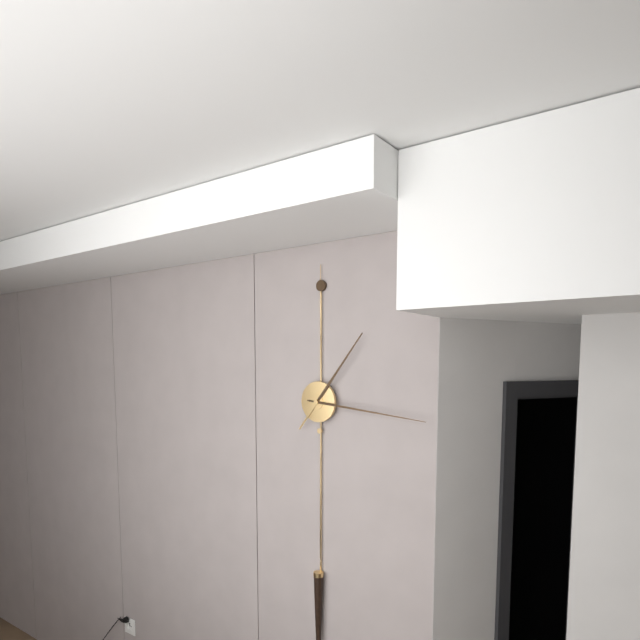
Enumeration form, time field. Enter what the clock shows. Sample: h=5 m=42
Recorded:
h=1 m=16
